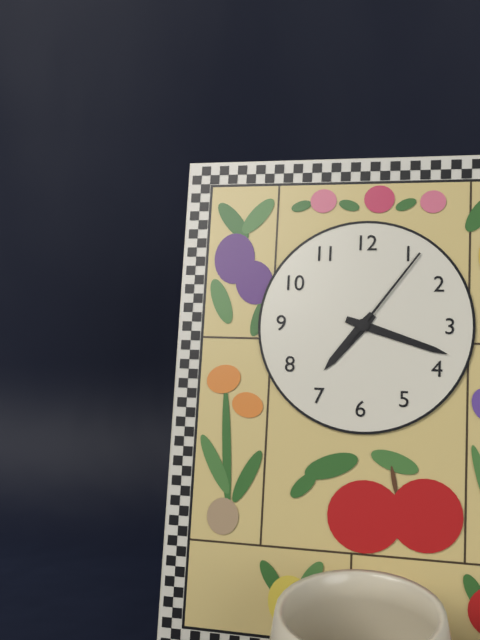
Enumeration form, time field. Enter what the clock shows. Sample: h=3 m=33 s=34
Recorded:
h=7 m=18 s=6
